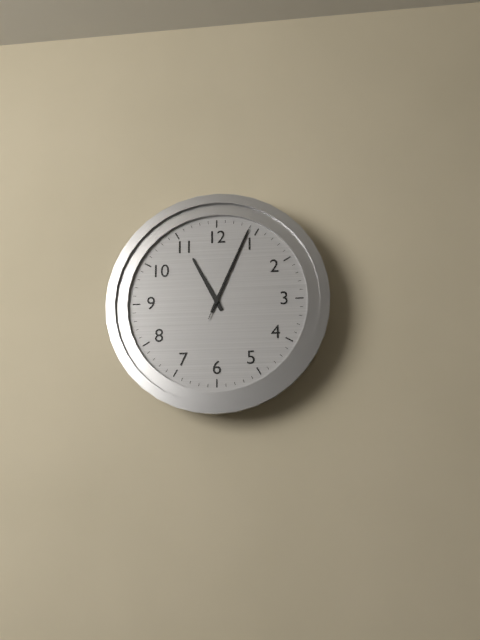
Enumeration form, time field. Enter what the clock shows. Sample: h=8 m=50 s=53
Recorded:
h=11 m=4 s=4
